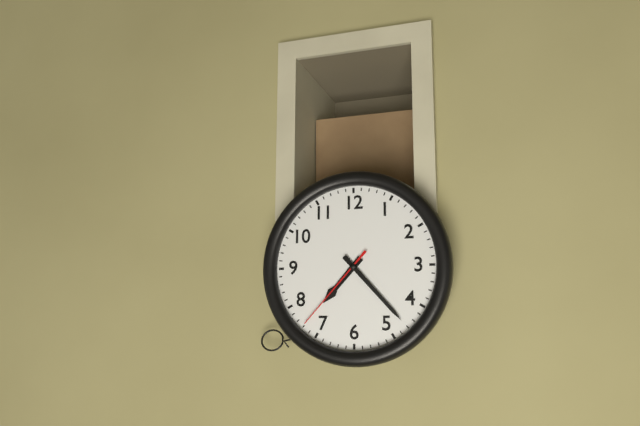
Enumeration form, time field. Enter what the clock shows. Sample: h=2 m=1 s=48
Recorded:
h=7 m=23 s=37
